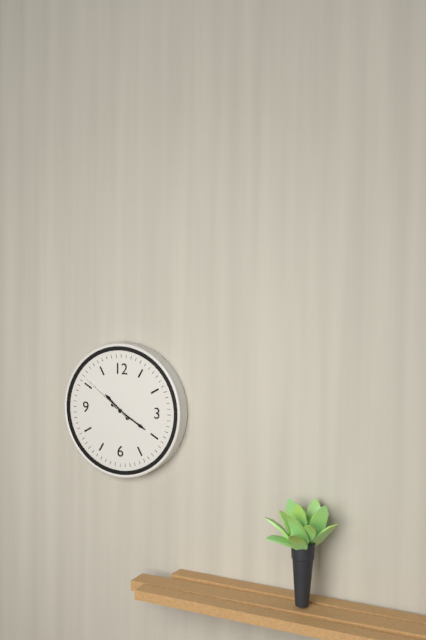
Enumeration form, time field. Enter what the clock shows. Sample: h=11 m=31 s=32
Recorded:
h=10 m=20 s=51
